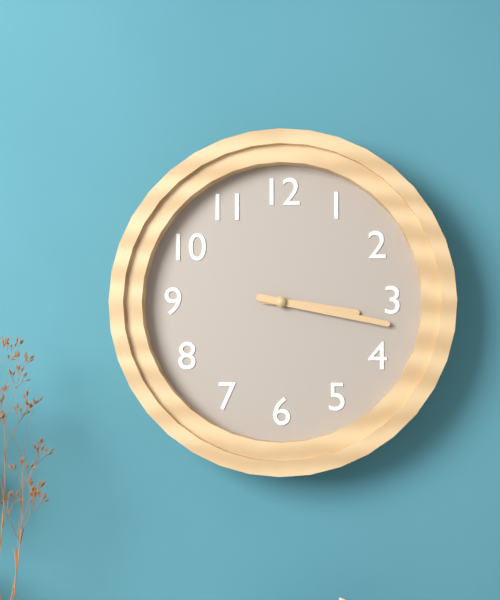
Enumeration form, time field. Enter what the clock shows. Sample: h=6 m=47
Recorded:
h=3 m=17
